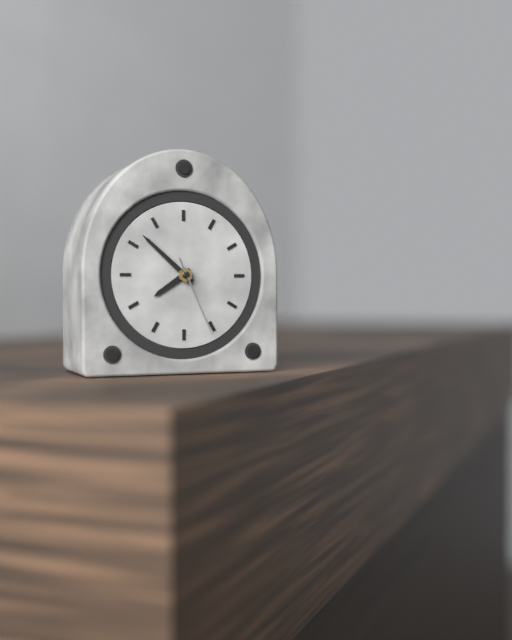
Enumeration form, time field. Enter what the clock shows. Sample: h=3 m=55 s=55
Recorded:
h=7 m=52 s=26
